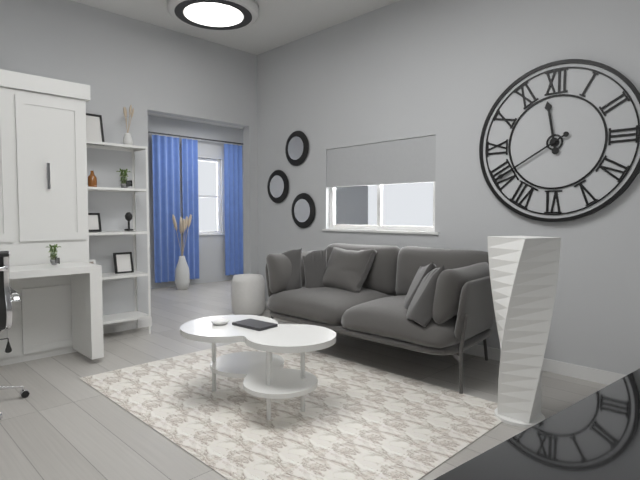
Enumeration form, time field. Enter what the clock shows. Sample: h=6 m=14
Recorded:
h=11 m=40
